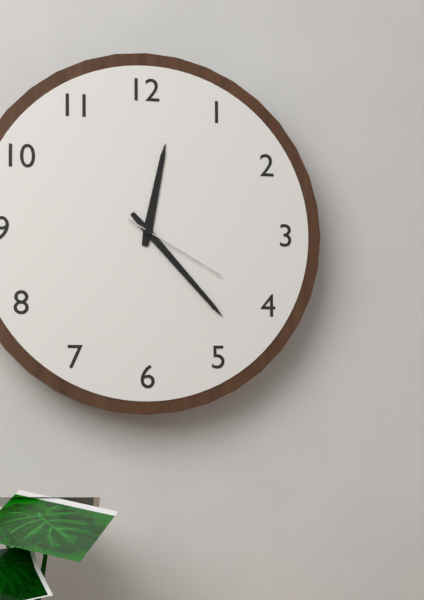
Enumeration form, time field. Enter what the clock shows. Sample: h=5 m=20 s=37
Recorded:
h=12 m=23 s=20
